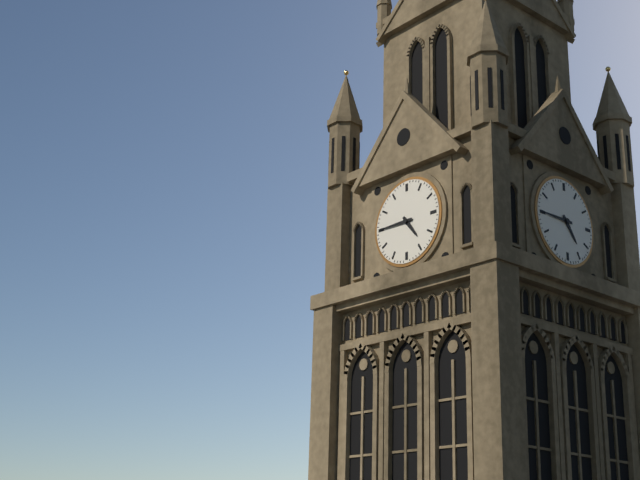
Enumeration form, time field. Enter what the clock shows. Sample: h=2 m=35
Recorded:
h=4 m=45
